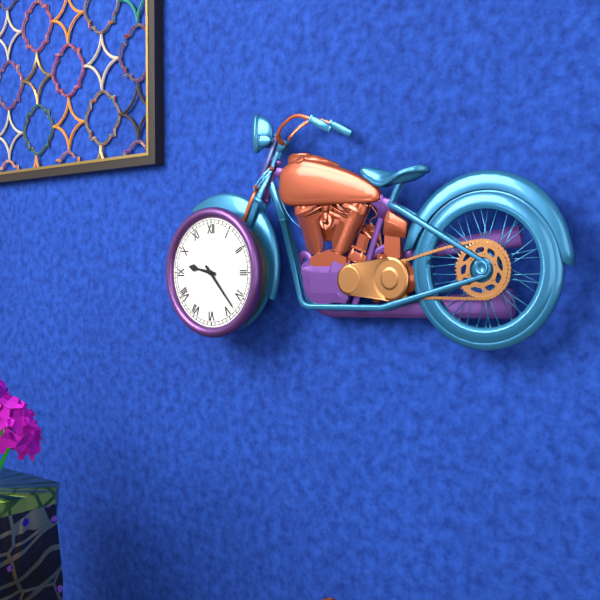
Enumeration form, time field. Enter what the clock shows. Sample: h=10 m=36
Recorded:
h=9 m=23
